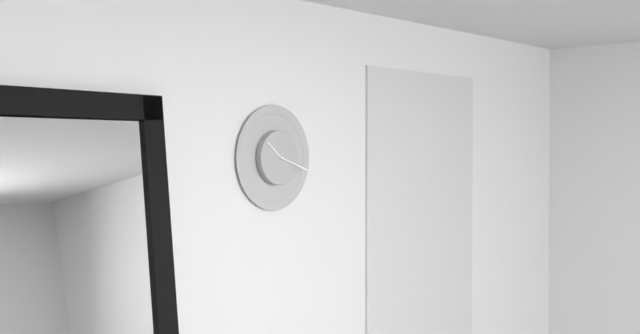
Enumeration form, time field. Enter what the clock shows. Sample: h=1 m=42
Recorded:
h=10 m=18
